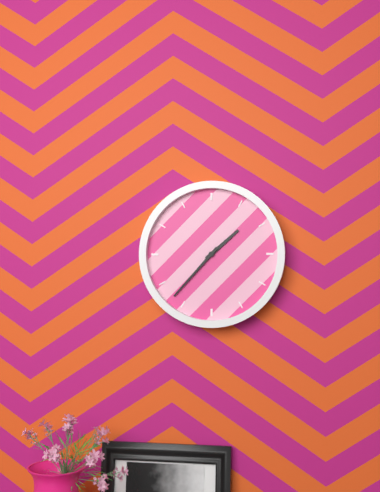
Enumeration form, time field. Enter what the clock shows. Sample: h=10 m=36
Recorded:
h=1 m=37
